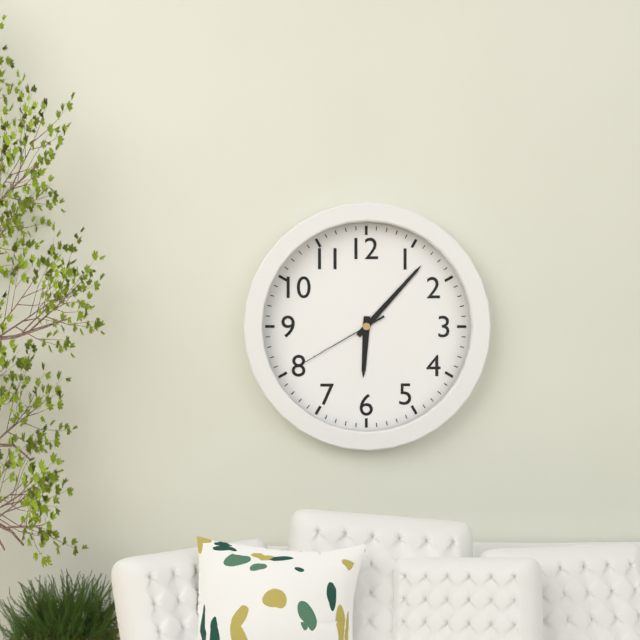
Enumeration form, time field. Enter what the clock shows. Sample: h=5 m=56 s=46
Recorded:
h=6 m=7 s=40
